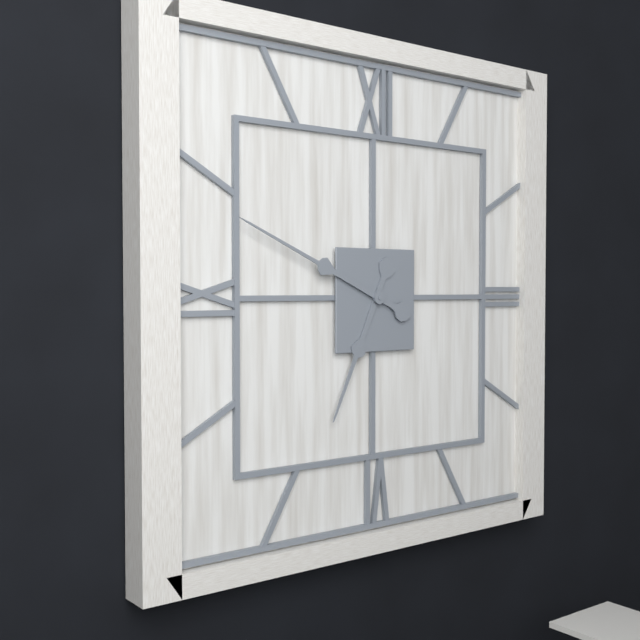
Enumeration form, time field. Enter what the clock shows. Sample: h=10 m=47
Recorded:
h=6 m=49
